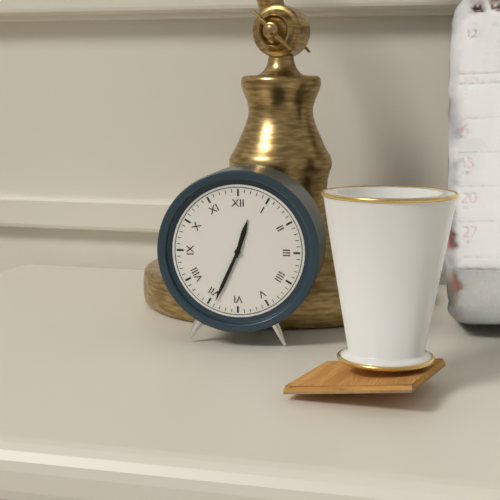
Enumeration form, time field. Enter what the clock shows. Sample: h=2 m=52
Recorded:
h=12 m=34
